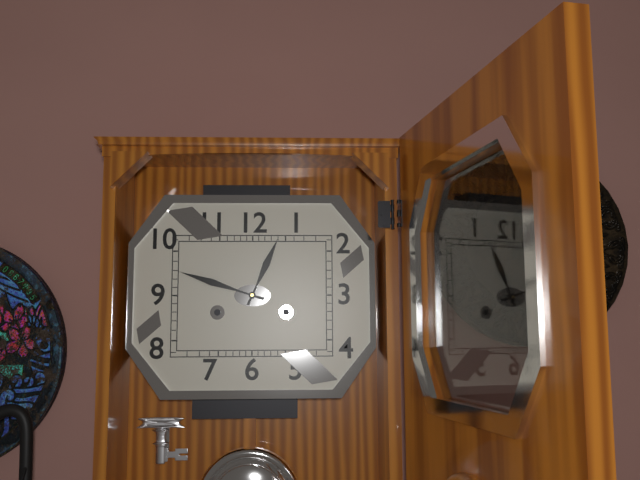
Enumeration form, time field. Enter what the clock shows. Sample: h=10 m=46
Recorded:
h=12 m=48
